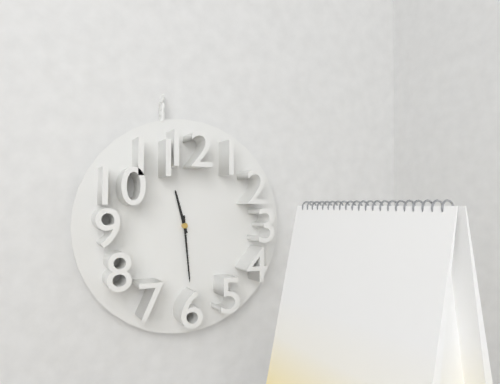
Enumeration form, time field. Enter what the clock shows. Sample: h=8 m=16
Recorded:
h=11 m=29
